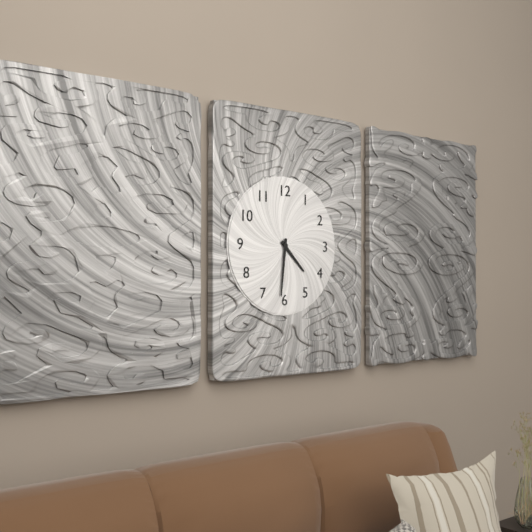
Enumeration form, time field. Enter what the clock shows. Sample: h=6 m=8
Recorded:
h=4 m=31
